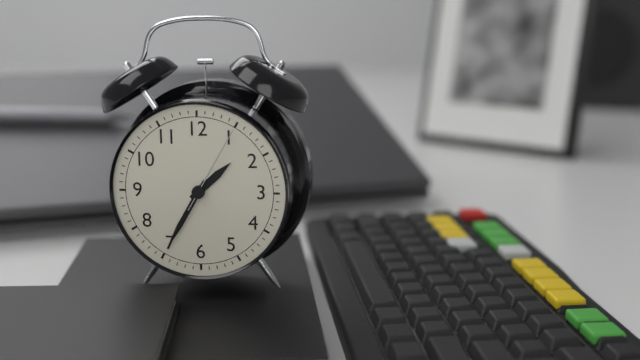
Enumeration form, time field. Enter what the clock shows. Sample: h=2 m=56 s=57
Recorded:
h=1 m=35 s=5
